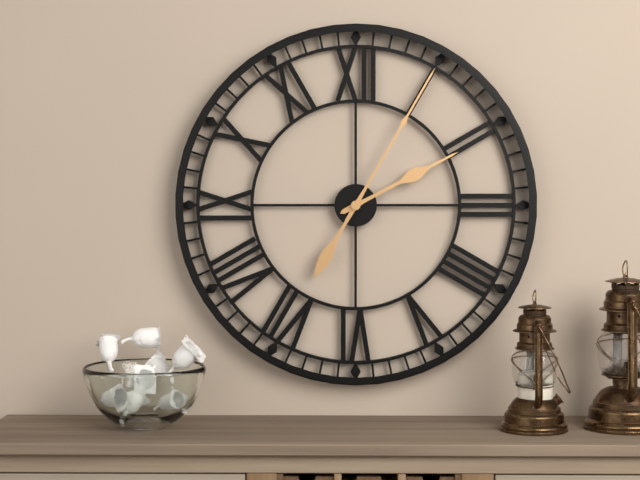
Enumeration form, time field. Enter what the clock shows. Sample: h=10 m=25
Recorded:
h=2 m=5
